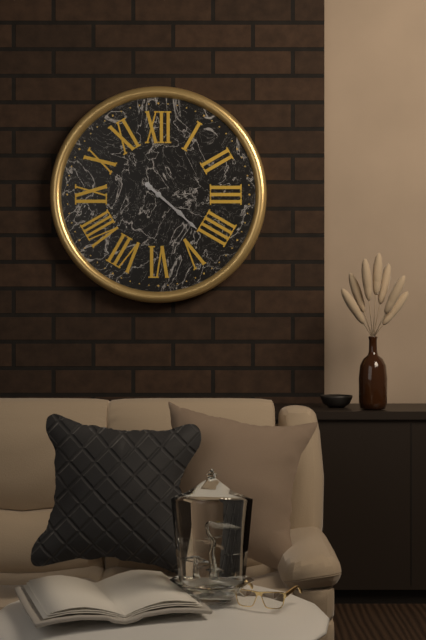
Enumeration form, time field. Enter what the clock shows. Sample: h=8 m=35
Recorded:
h=4 m=22
